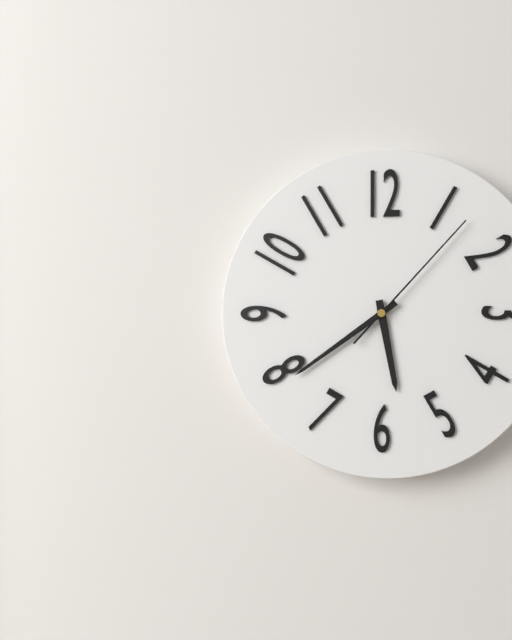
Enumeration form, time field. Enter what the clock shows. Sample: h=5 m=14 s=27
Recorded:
h=5 m=39 s=7
